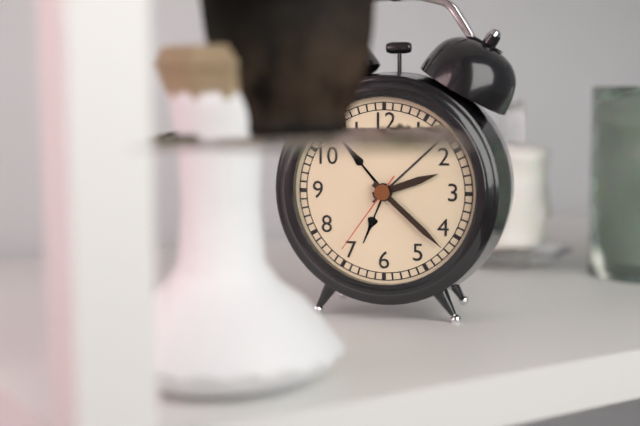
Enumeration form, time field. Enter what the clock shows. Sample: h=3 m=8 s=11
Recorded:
h=2 m=22 s=36
